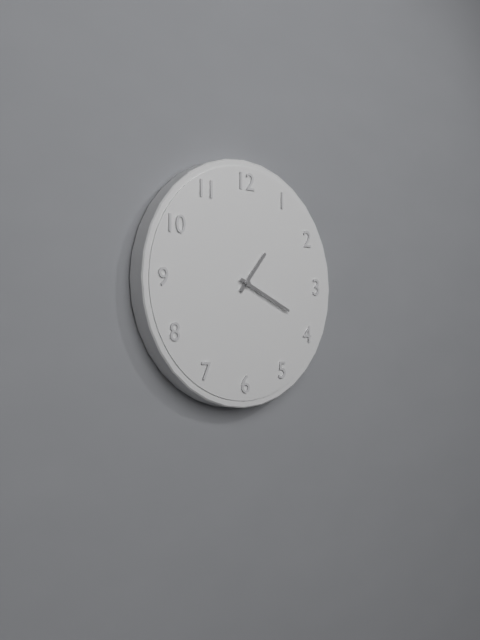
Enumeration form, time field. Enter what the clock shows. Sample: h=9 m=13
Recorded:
h=1 m=19
